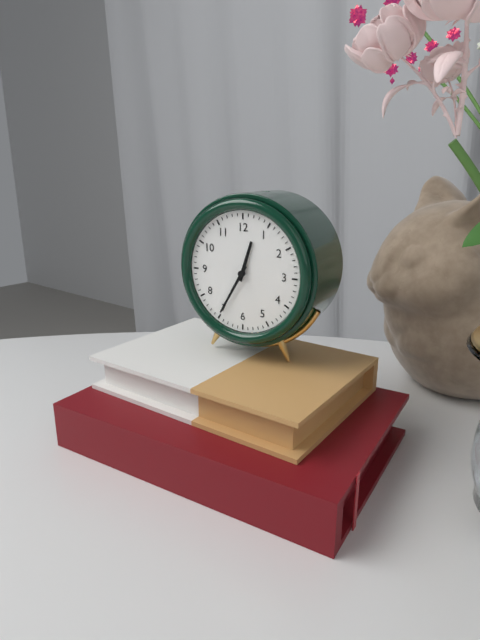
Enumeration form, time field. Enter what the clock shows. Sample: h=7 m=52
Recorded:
h=12 m=35
